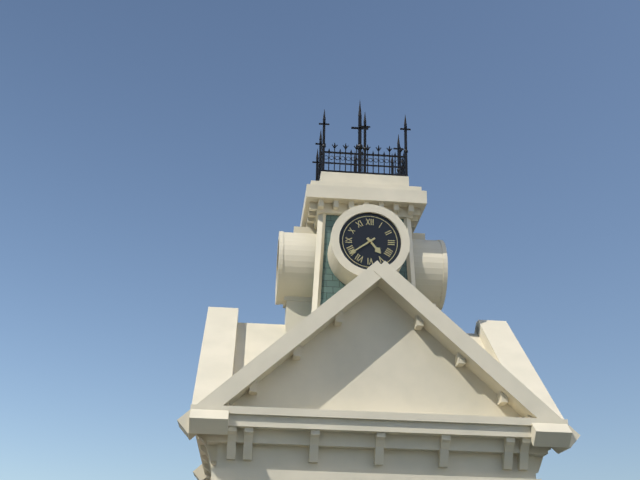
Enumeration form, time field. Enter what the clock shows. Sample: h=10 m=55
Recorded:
h=4 m=39
